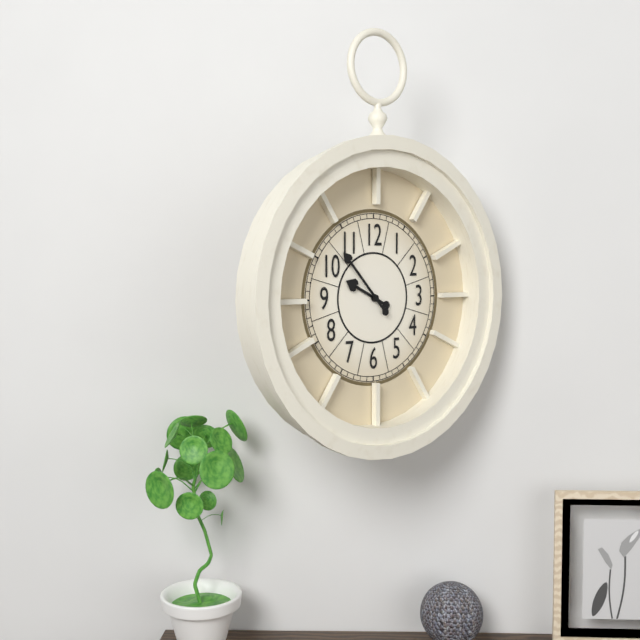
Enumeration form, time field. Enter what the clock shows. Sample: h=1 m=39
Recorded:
h=9 m=53
